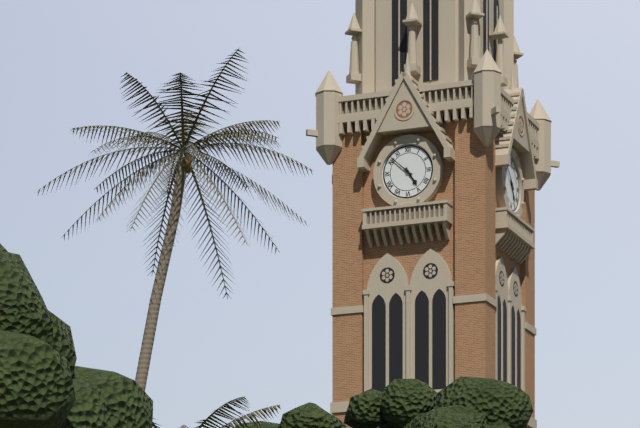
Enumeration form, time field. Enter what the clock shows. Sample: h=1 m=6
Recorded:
h=4 m=52
